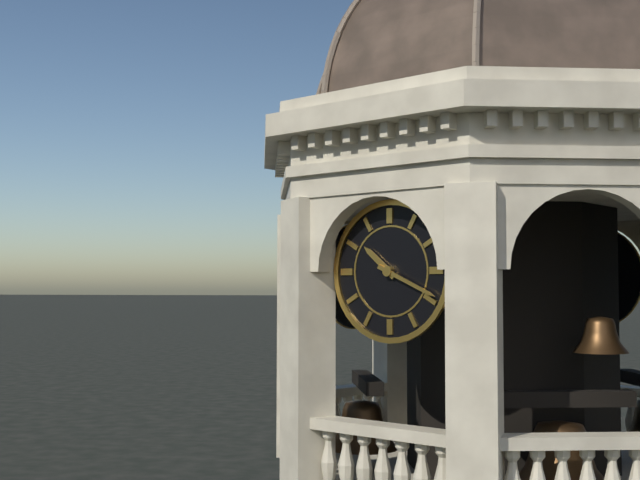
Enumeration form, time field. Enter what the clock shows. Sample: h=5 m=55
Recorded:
h=10 m=19
